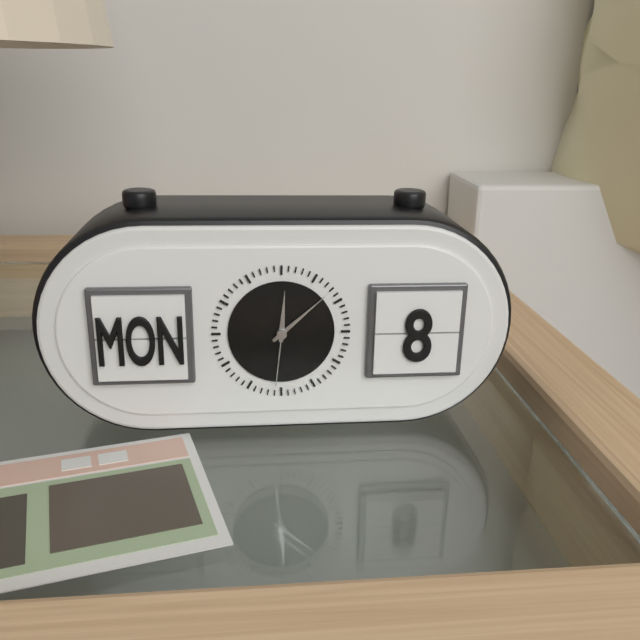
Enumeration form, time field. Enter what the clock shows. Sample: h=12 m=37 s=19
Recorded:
h=12 m=8 s=31
